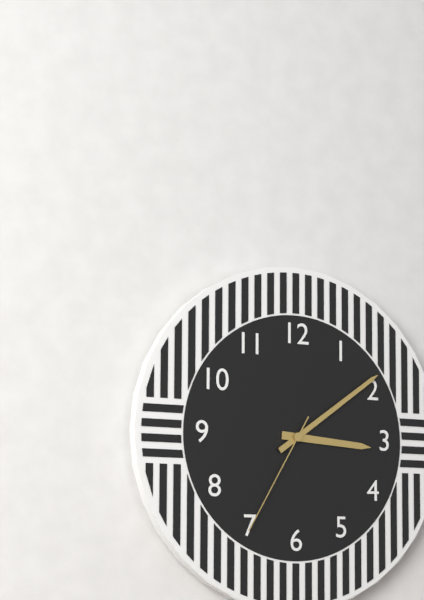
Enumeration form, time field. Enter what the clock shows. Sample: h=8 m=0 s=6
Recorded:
h=3 m=9 s=35
